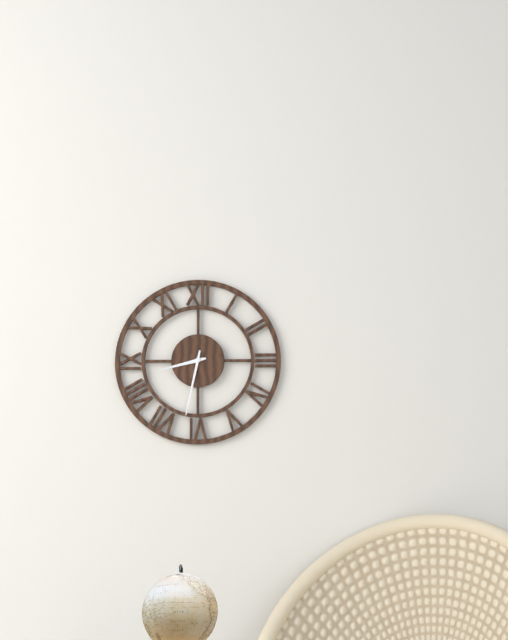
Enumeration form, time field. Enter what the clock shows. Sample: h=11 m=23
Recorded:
h=8 m=32
